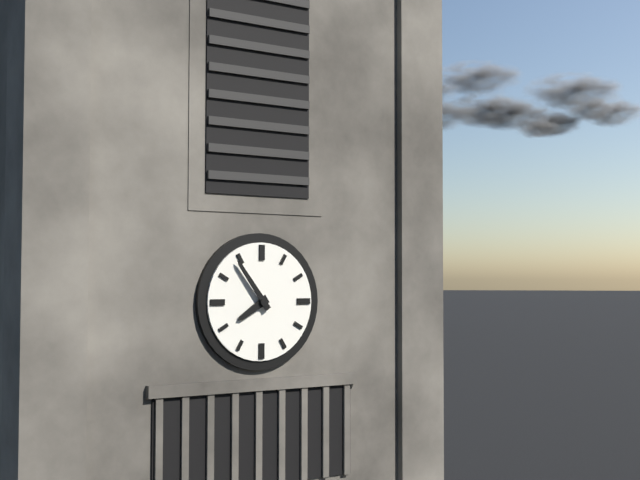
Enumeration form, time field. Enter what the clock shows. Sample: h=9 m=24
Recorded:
h=7 m=54
